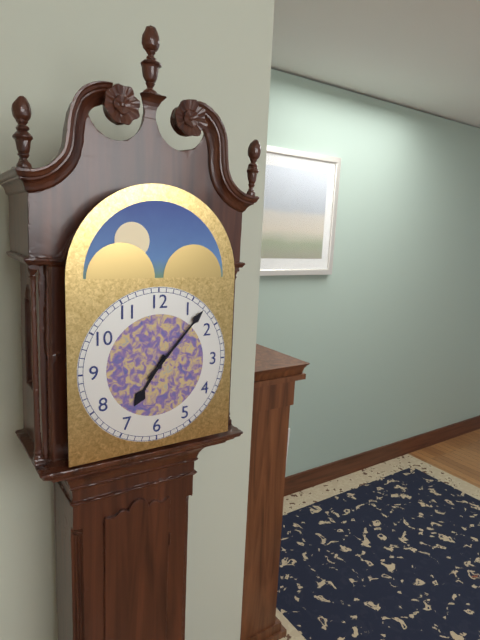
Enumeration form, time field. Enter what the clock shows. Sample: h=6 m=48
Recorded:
h=7 m=7
